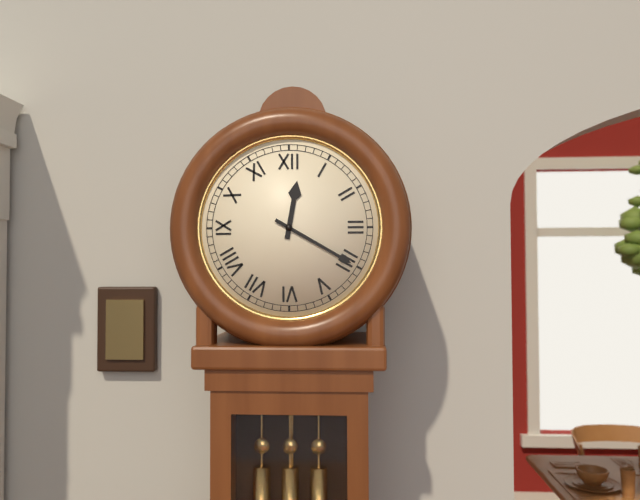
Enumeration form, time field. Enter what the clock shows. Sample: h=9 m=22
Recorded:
h=12 m=20
